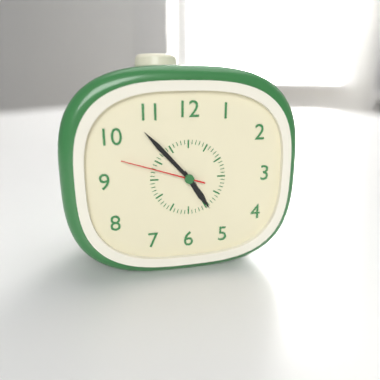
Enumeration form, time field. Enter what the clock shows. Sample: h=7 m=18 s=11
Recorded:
h=4 m=53 s=48
